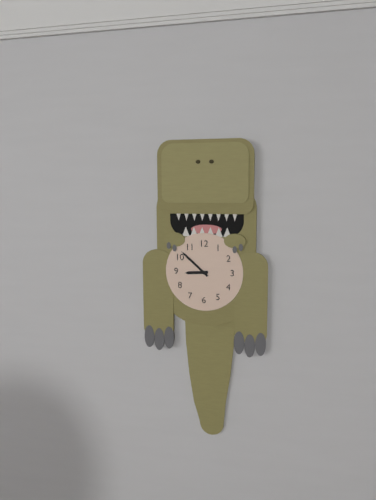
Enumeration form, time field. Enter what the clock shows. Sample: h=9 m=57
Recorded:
h=8 m=52
